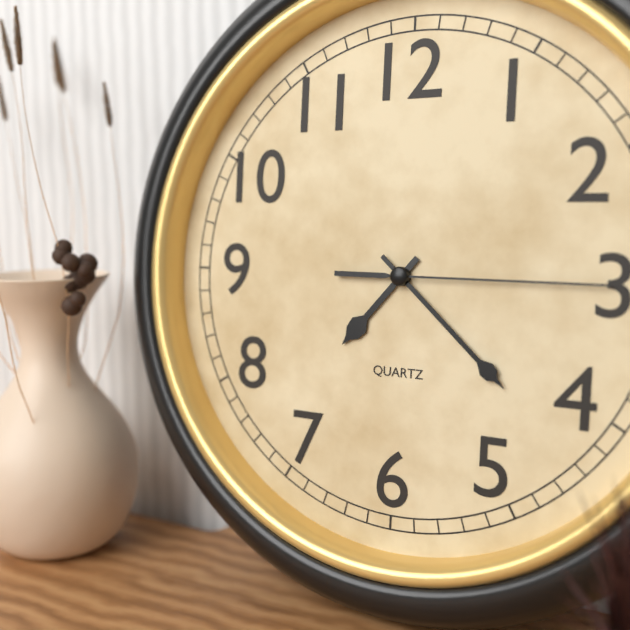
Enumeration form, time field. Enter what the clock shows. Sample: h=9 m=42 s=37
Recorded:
h=7 m=22 s=15
